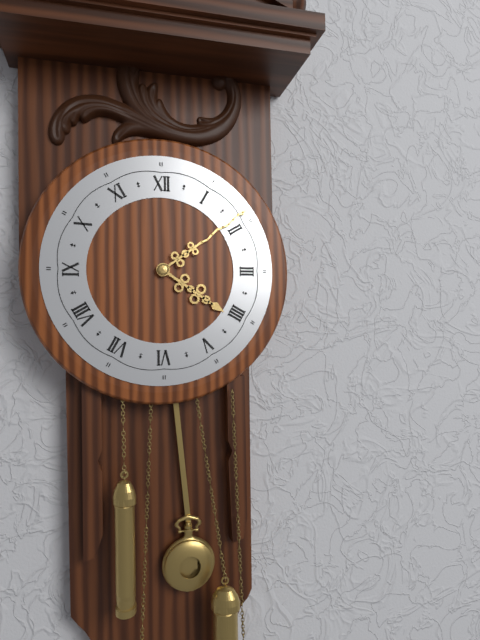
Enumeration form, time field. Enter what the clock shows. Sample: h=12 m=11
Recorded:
h=4 m=9
